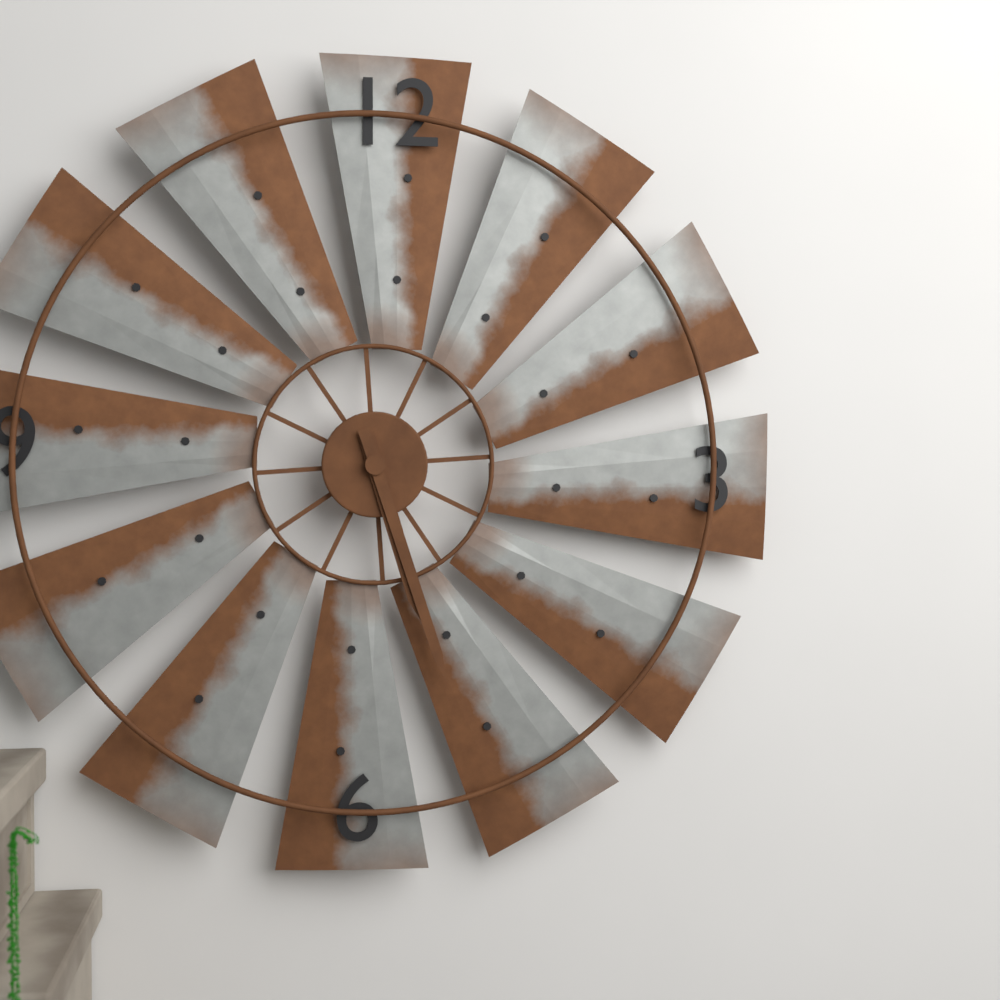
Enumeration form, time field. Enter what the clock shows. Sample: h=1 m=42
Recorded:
h=5 m=27
